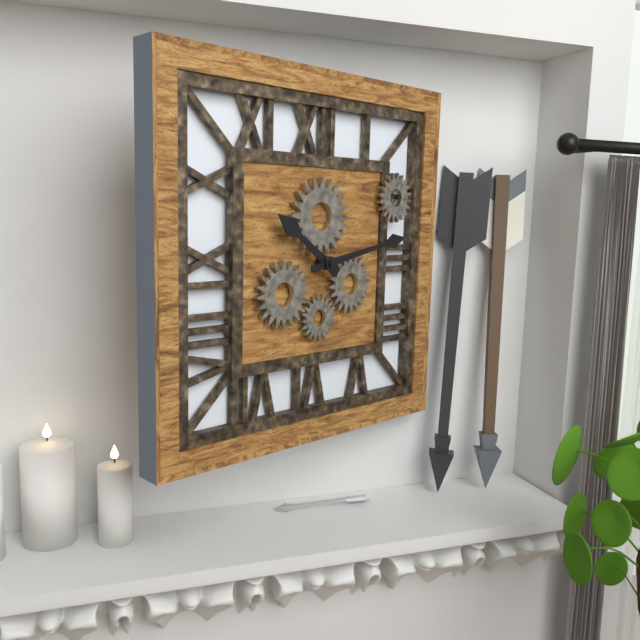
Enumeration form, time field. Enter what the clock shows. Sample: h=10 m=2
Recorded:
h=10 m=13
